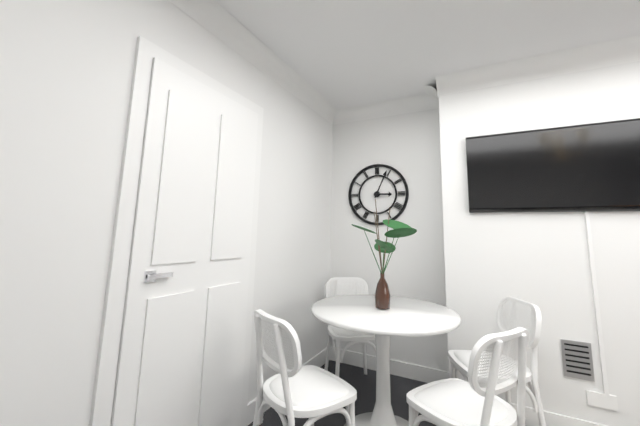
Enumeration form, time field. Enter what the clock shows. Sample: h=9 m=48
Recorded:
h=3 m=4
